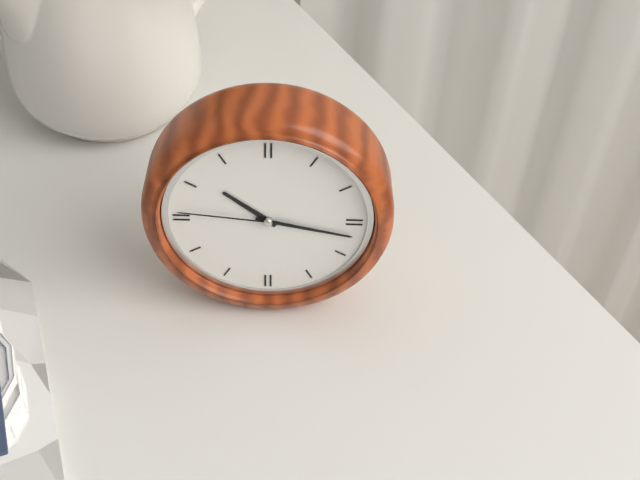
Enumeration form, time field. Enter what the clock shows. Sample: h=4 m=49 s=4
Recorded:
h=10 m=17 s=46
